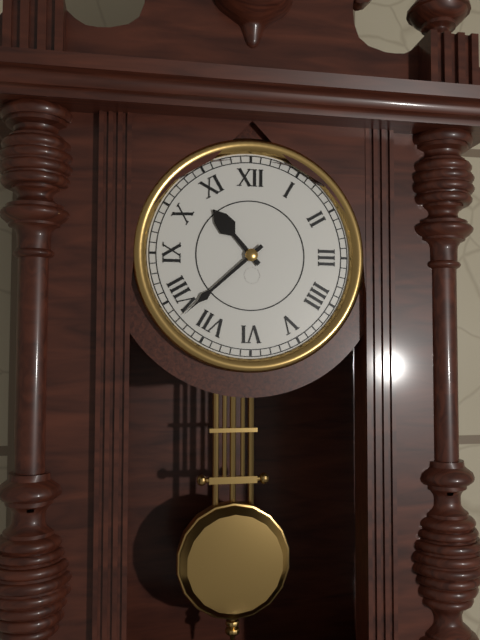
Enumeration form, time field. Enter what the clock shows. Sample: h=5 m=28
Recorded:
h=10 m=38
